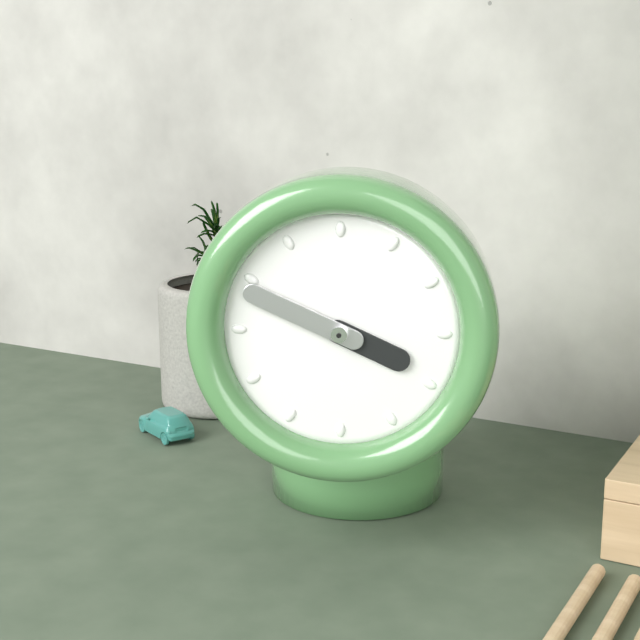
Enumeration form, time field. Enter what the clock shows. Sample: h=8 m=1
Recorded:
h=3 m=49
